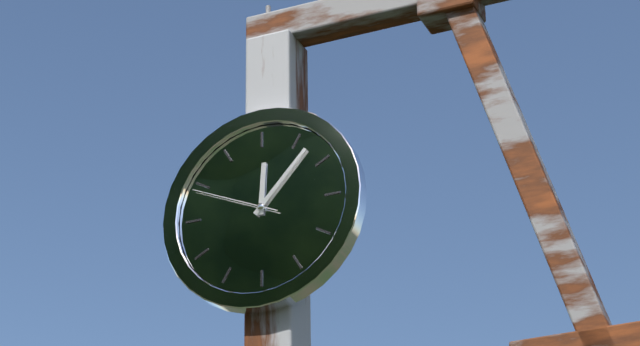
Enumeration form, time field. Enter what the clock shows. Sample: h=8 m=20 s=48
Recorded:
h=12 m=7 s=49
